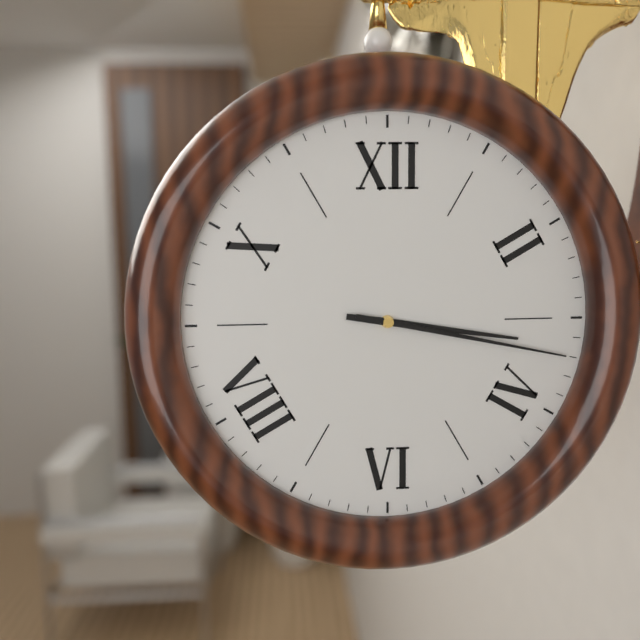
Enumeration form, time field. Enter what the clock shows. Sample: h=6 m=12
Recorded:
h=3 m=17
